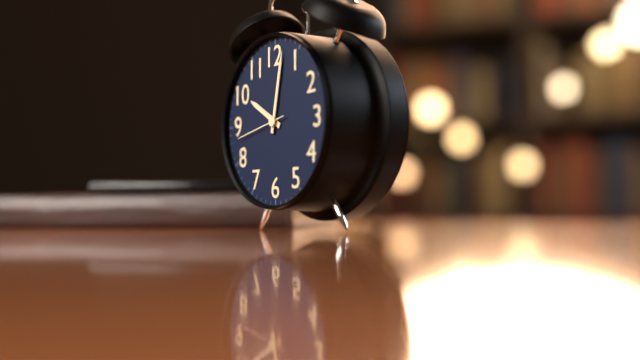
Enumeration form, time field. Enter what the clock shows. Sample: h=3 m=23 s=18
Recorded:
h=10 m=2 s=43
